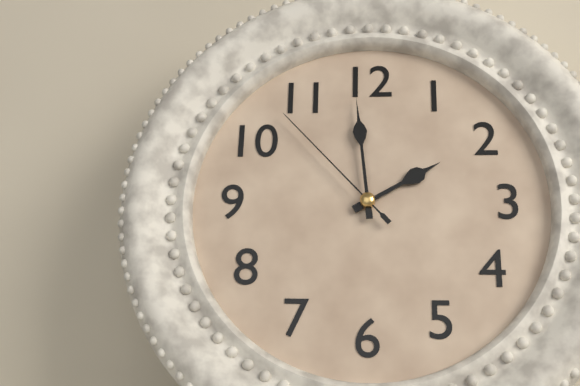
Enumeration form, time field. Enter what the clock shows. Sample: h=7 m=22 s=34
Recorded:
h=1 m=59 s=53
